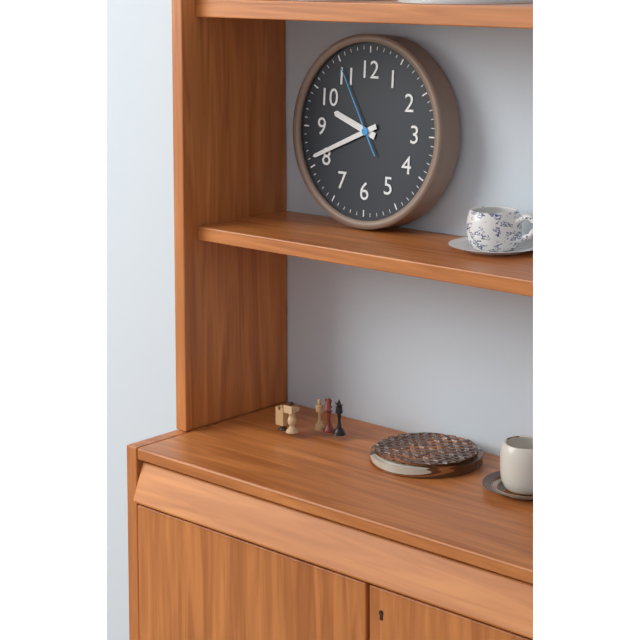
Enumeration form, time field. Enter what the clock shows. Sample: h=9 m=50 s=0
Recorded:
h=9 m=41 s=55
